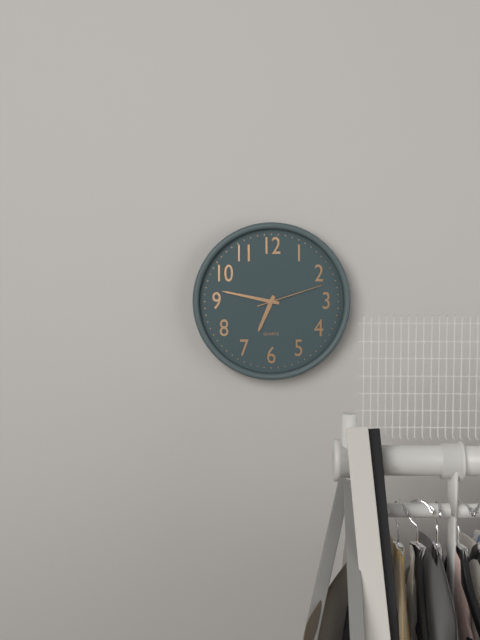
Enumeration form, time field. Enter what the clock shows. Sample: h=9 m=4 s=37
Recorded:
h=6 m=47 s=12
